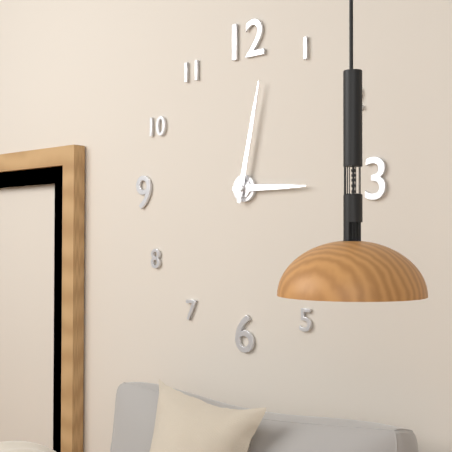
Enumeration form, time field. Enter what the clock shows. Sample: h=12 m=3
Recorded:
h=3 m=2
